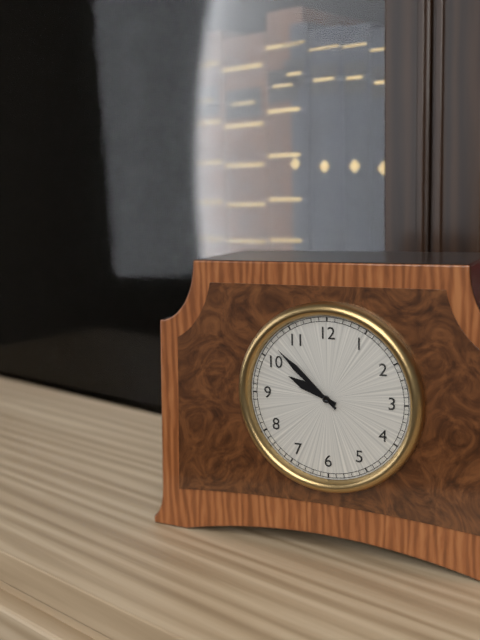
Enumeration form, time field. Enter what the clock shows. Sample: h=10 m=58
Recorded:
h=9 m=52
